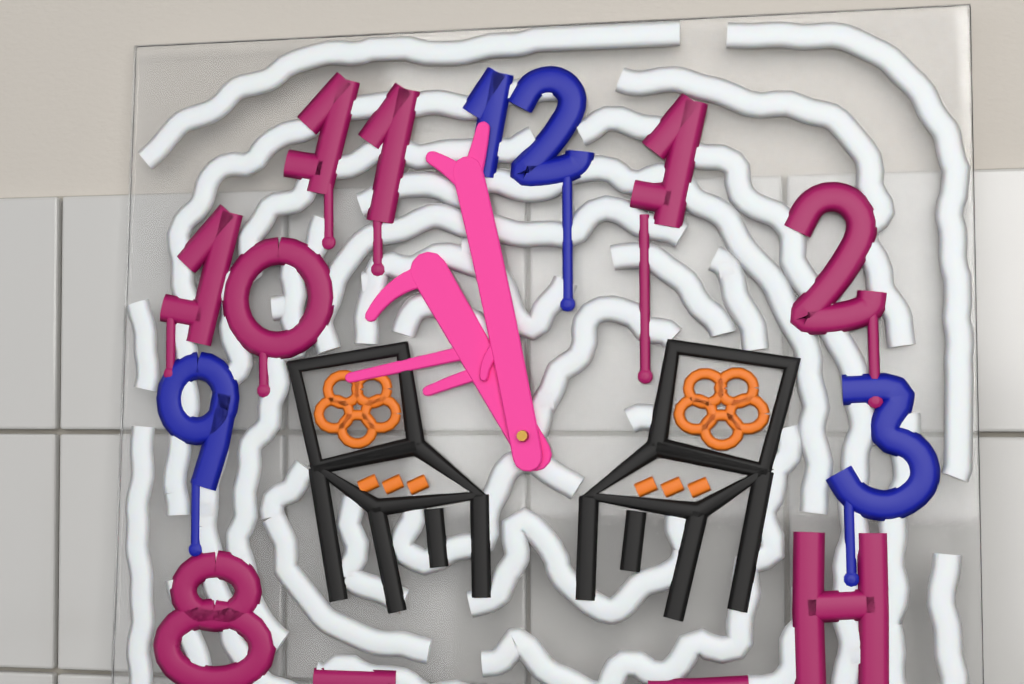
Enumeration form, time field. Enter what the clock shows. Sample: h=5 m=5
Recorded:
h=10 m=58
